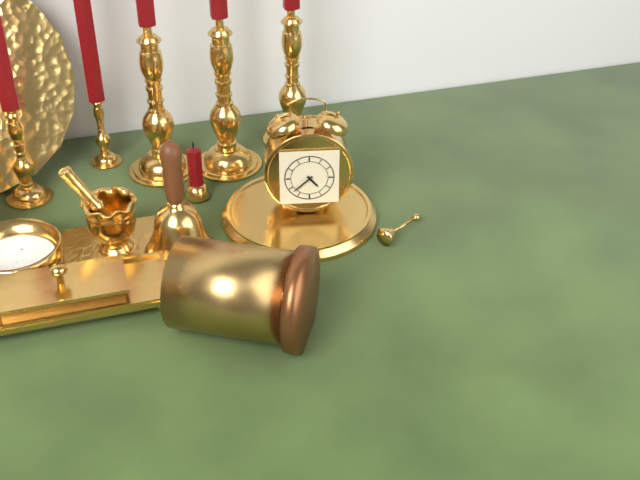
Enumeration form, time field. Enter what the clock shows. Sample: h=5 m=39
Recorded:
h=4 m=38
